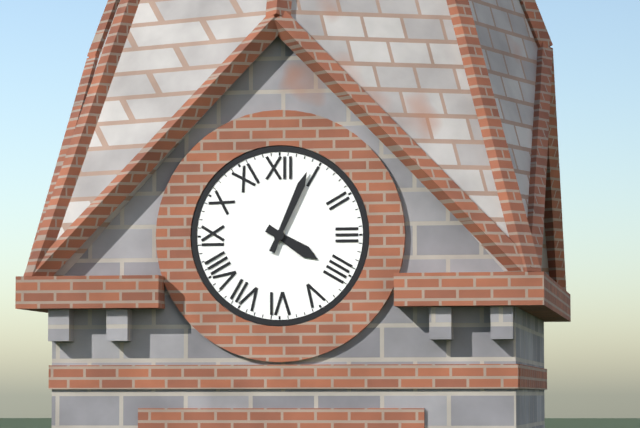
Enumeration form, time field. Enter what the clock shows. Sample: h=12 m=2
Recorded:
h=4 m=4
